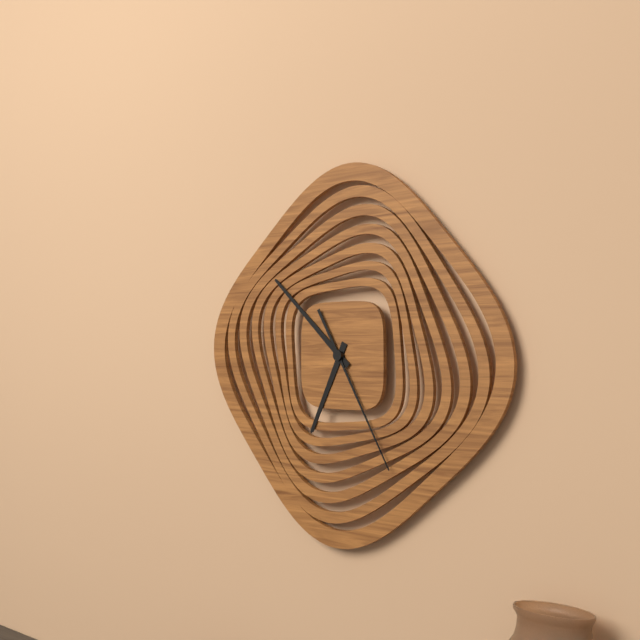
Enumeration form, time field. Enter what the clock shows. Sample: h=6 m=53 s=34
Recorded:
h=6 m=52 s=25
